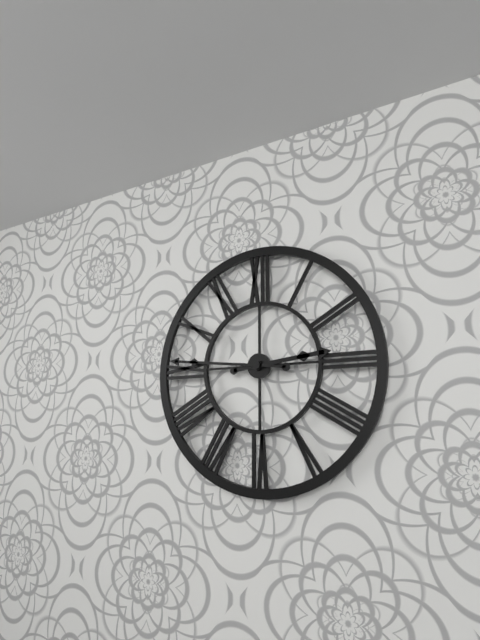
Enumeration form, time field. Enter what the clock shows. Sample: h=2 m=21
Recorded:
h=2 m=46
